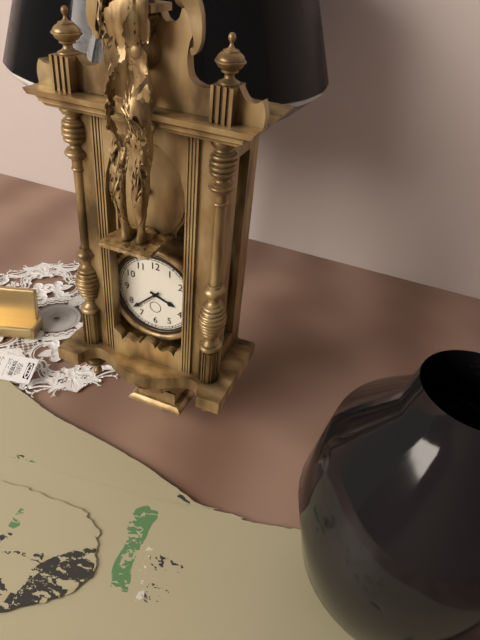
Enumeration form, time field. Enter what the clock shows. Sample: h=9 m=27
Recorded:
h=3 m=38
